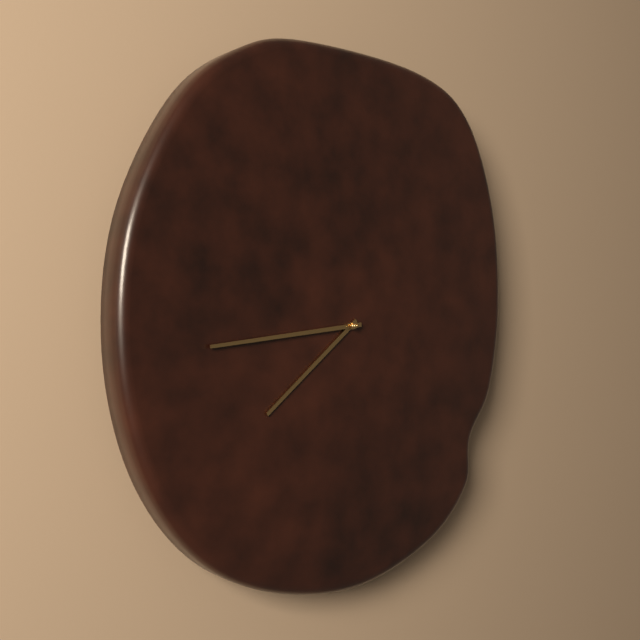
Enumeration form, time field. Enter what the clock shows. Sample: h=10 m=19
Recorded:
h=7 m=44
